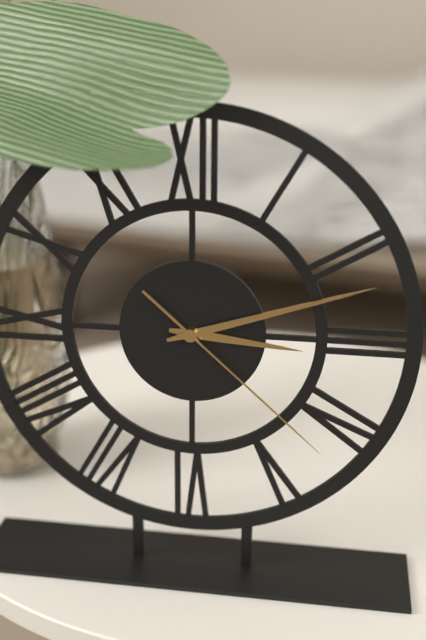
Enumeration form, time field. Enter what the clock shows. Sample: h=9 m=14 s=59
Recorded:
h=3 m=12 s=22
